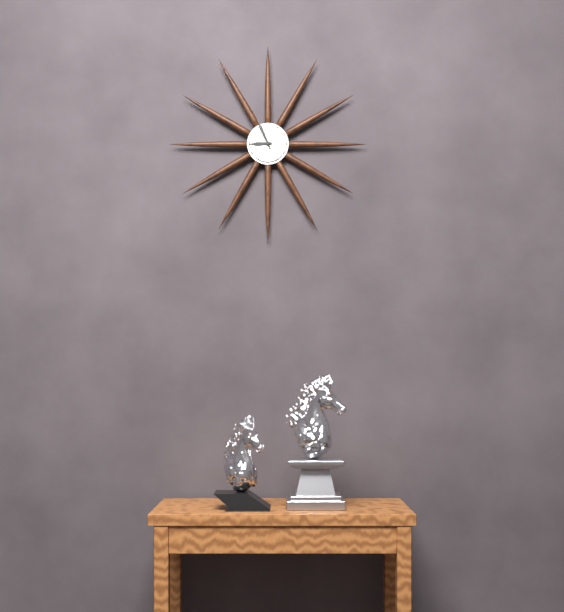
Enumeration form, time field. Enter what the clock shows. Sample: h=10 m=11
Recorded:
h=8 m=56
